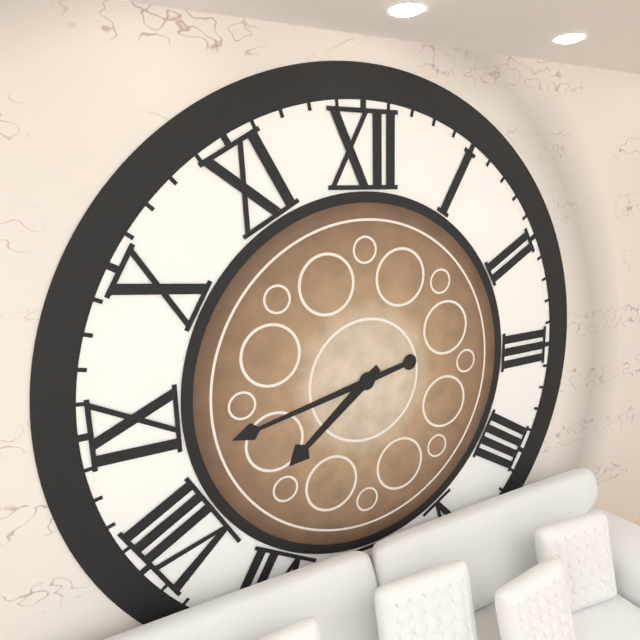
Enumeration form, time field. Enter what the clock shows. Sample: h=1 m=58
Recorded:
h=7 m=43
